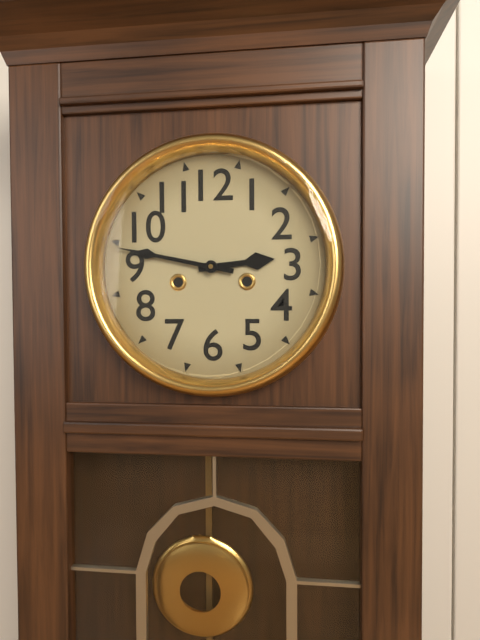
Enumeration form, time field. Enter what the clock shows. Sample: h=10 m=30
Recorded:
h=2 m=47
